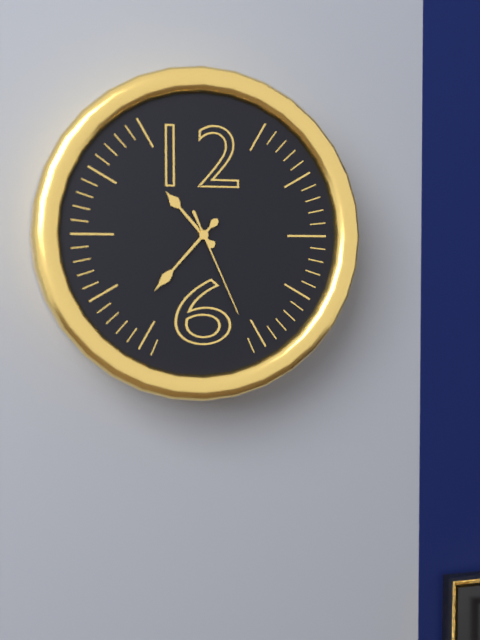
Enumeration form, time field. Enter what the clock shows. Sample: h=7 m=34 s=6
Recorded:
h=10 m=37 s=26
